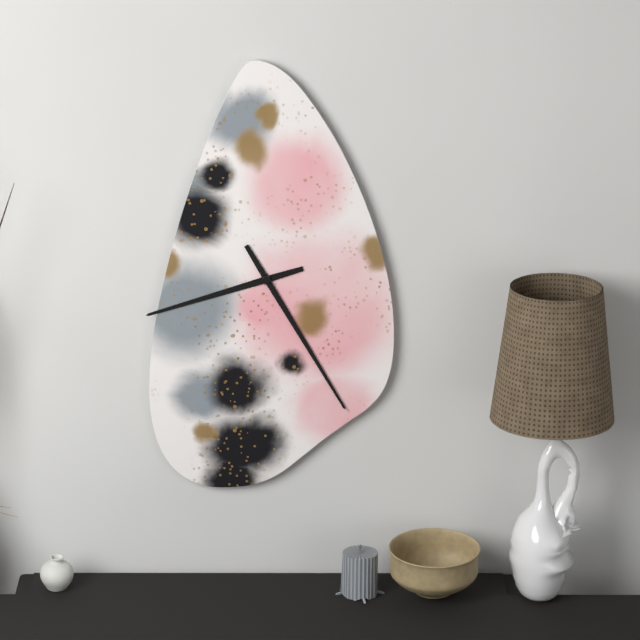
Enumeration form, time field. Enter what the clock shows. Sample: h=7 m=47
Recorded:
h=8 m=25
